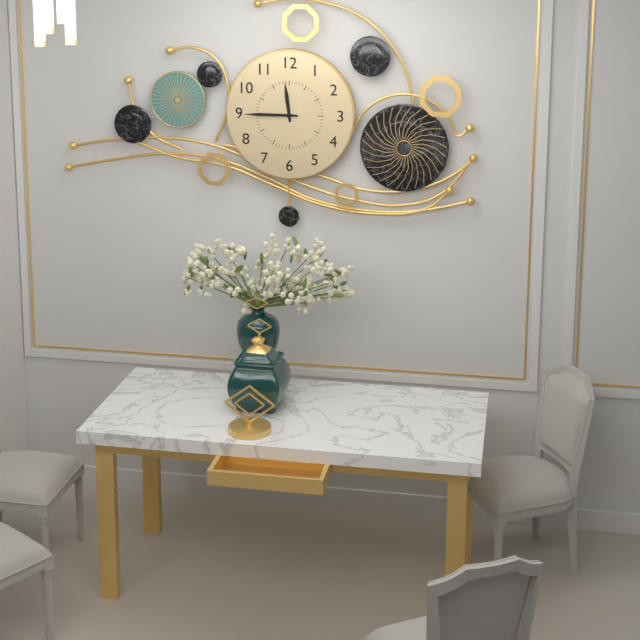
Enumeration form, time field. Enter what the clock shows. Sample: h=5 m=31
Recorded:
h=11 m=45
